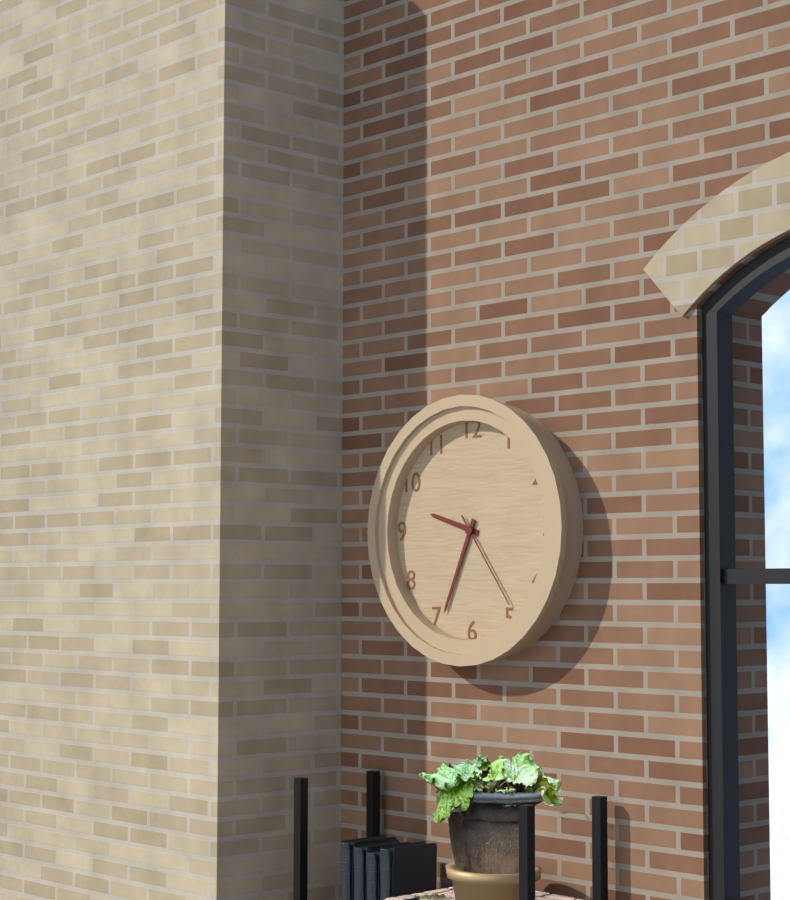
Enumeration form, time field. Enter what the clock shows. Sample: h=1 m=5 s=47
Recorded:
h=9 m=34 s=24
